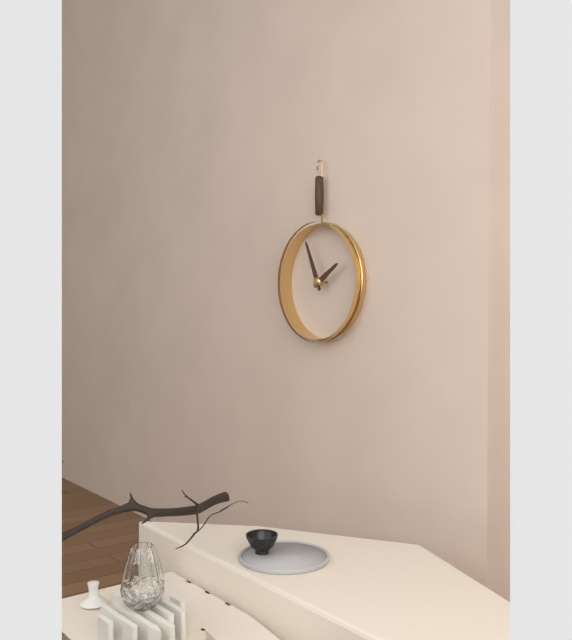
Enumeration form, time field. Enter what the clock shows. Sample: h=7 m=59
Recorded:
h=1 m=56
